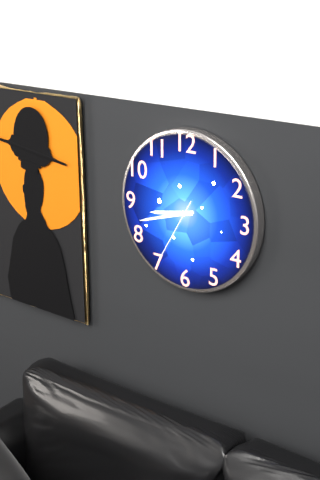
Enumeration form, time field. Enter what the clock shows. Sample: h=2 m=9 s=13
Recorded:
h=8 m=42 s=35
